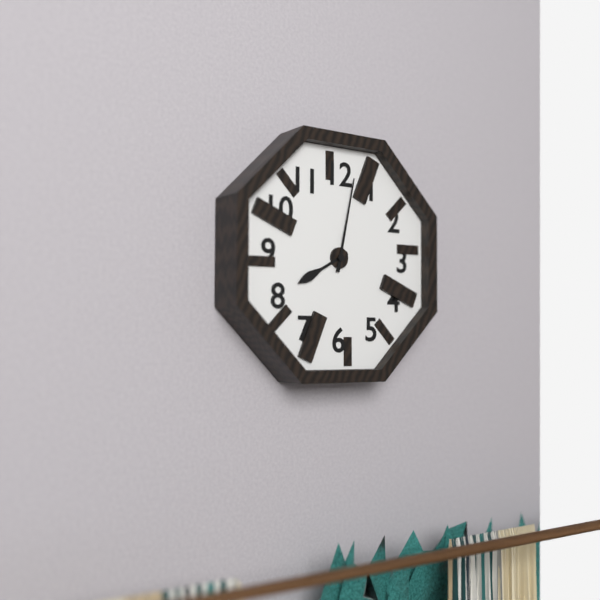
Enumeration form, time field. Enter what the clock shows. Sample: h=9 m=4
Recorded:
h=8 m=2
